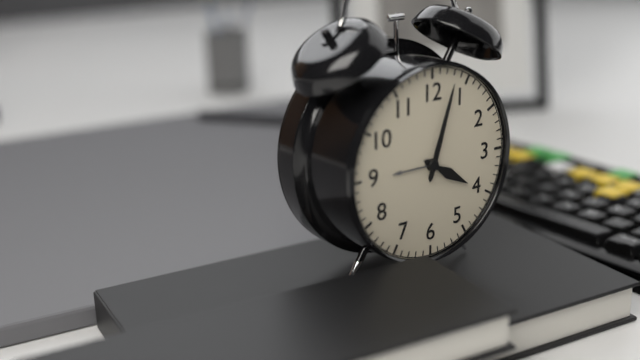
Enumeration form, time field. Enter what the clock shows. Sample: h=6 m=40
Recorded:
h=4 m=3
